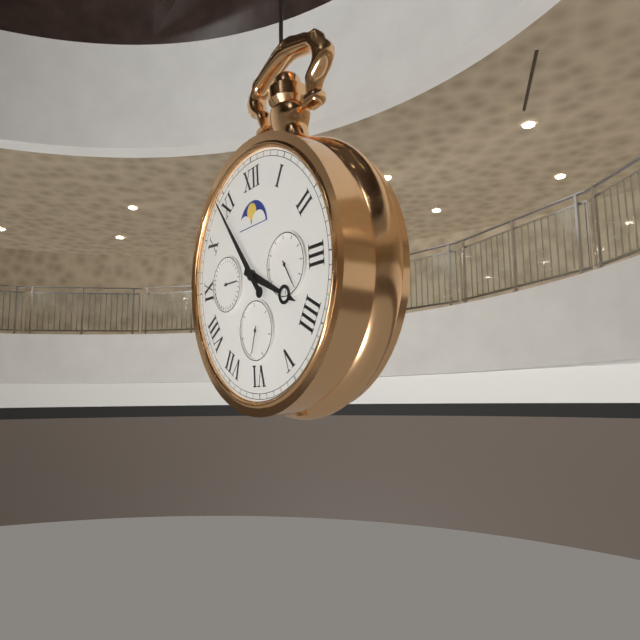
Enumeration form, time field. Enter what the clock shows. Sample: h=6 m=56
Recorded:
h=3 m=54
